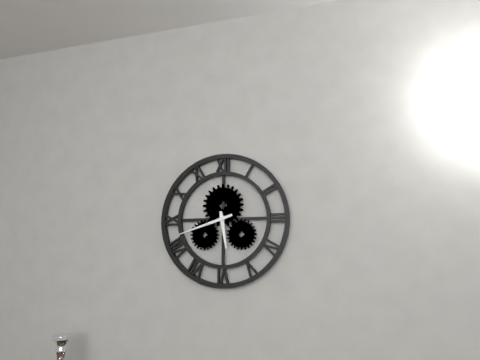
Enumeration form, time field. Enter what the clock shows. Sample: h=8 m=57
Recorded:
h=5 m=42
